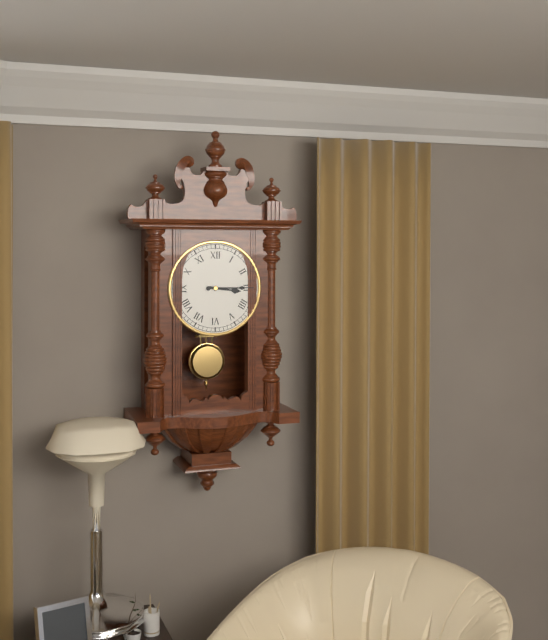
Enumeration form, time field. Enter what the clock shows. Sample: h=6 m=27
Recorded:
h=3 m=15
